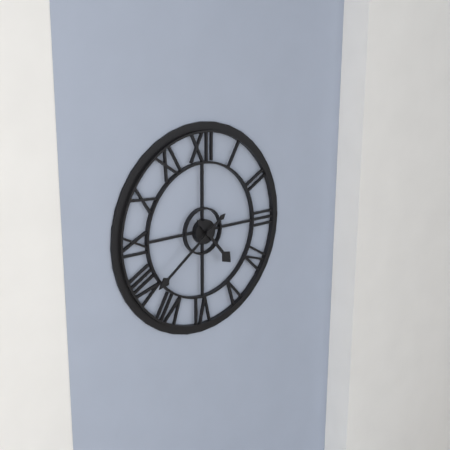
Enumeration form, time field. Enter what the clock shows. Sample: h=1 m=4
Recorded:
h=4 m=39
